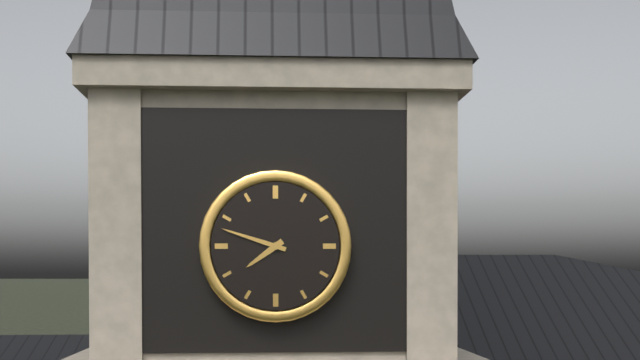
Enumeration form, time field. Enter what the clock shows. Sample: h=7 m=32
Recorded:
h=7 m=48
